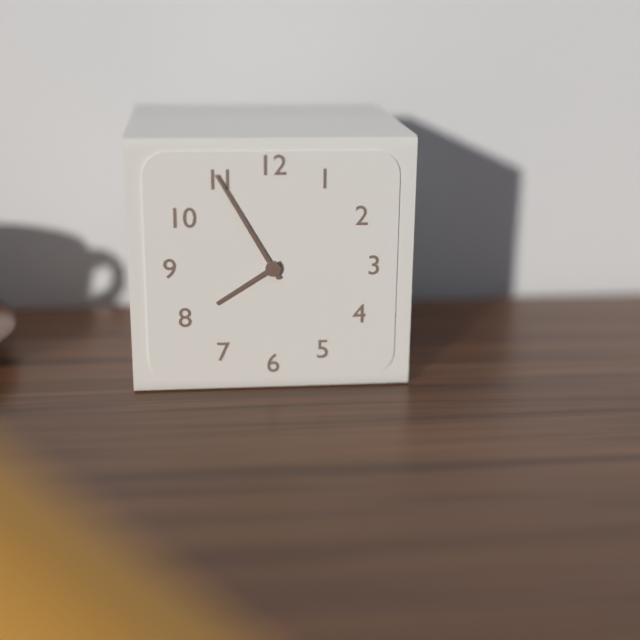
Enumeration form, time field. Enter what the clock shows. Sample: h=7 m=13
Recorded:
h=7 m=55
